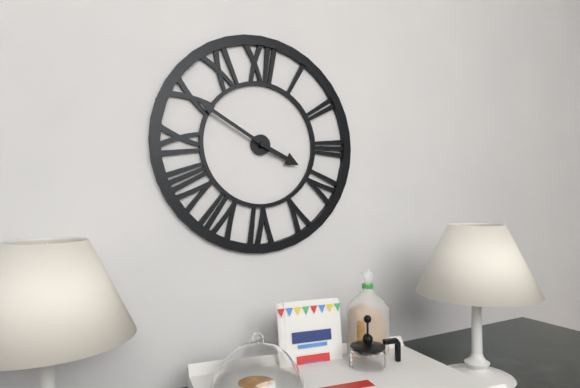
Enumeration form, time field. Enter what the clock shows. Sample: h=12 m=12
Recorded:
h=3 m=50
